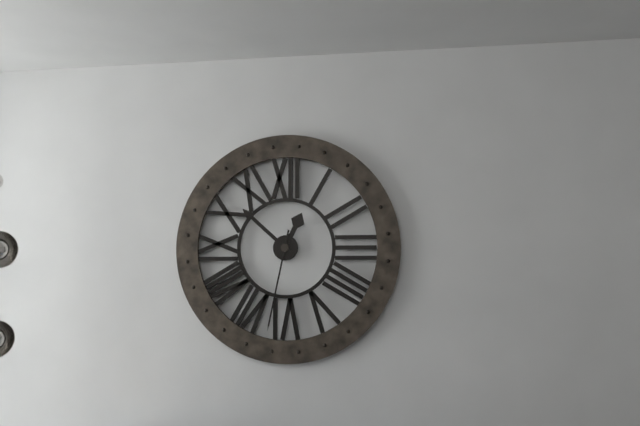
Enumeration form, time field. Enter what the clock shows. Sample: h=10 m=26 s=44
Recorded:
h=12 m=52 s=32
